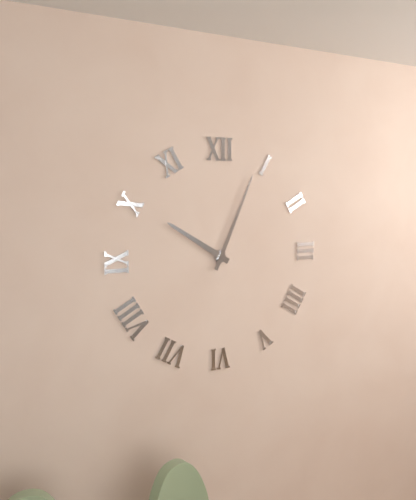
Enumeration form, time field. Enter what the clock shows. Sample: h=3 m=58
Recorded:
h=10 m=4
